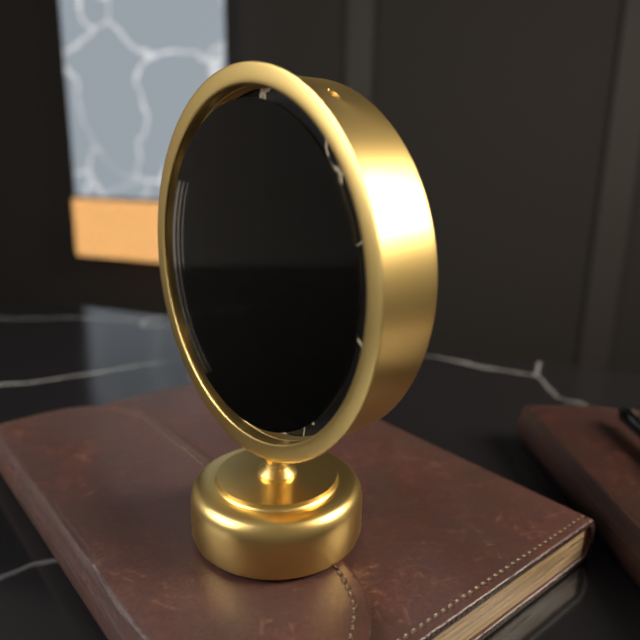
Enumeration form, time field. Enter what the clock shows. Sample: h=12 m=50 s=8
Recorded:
h=11 m=55 s=29
